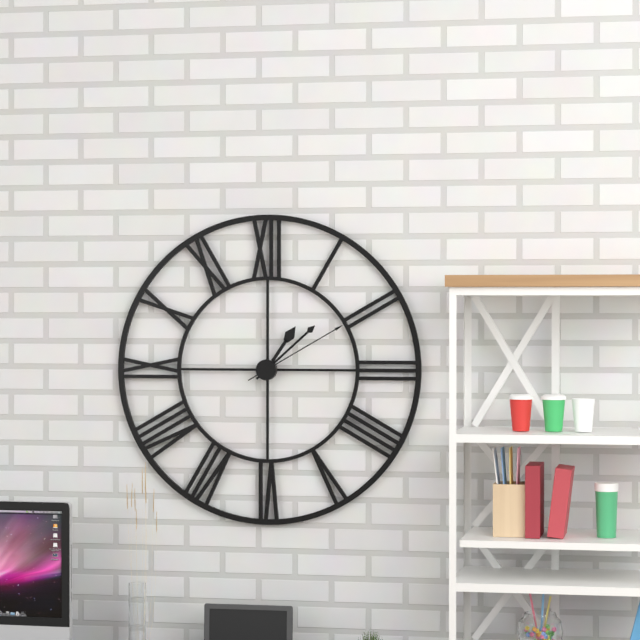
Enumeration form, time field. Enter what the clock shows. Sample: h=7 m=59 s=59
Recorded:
h=1 m=8 s=10
